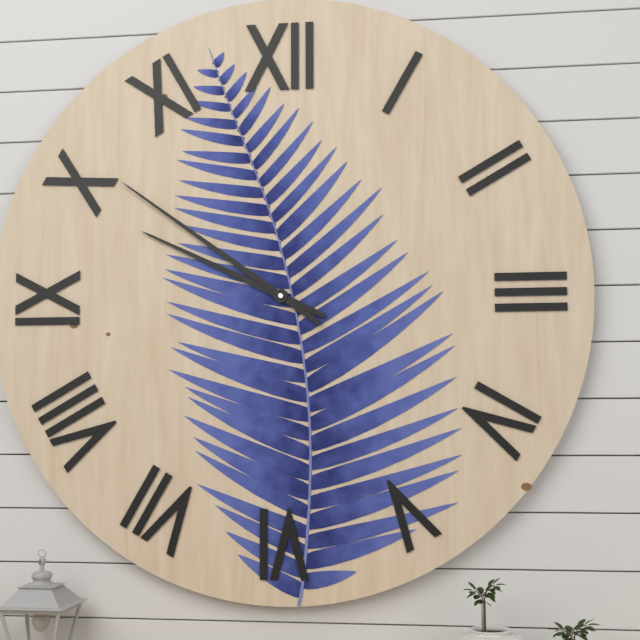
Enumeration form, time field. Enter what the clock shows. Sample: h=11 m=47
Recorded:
h=9 m=51
